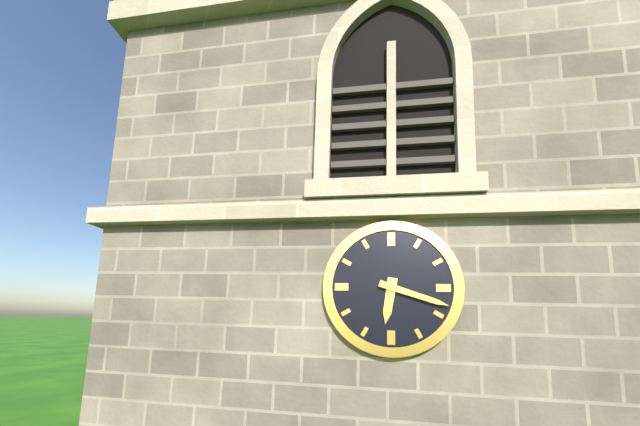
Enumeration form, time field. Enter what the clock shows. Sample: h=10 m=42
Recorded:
h=6 m=18
